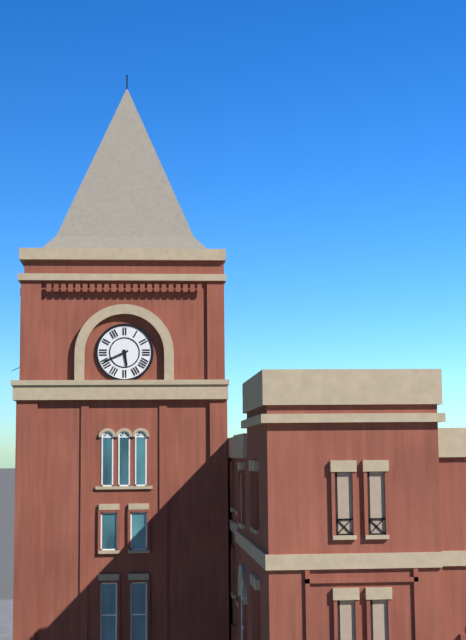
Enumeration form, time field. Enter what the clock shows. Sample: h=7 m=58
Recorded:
h=5 m=41
